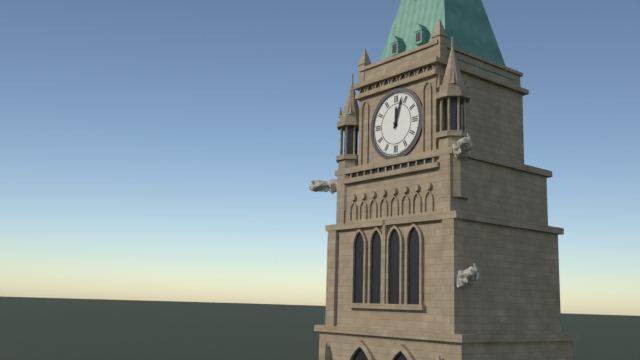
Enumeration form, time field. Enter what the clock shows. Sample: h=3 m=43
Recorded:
h=12 m=3
